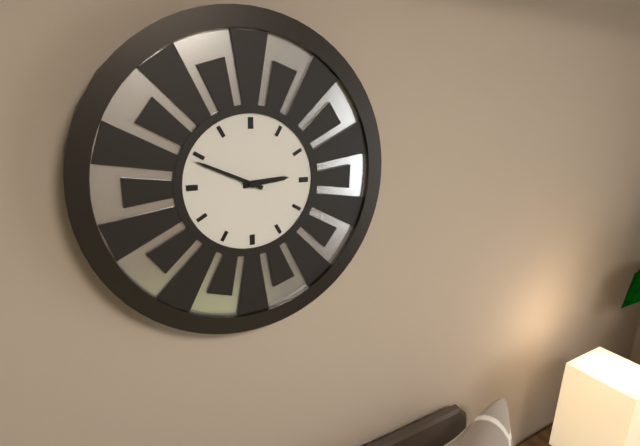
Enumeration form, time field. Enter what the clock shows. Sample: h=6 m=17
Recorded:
h=2 m=49
